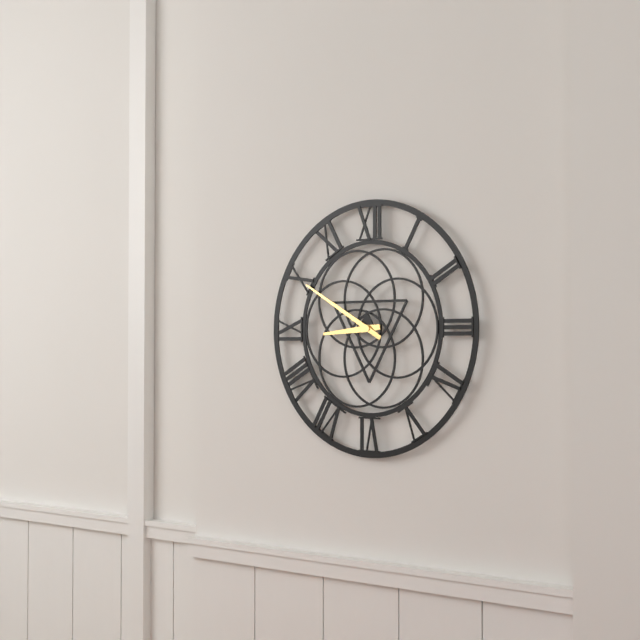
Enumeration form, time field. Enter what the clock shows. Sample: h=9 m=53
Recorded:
h=8 m=50
